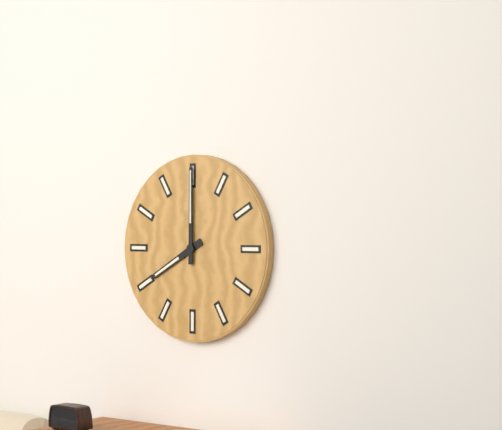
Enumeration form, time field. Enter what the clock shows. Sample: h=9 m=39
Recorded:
h=8 m=0
